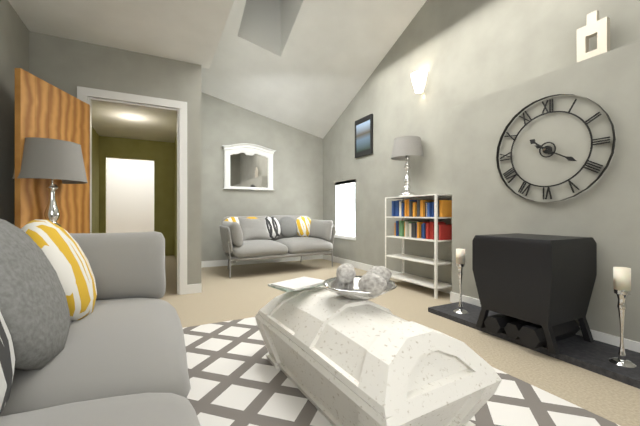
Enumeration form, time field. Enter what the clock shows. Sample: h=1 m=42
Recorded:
h=10 m=20
